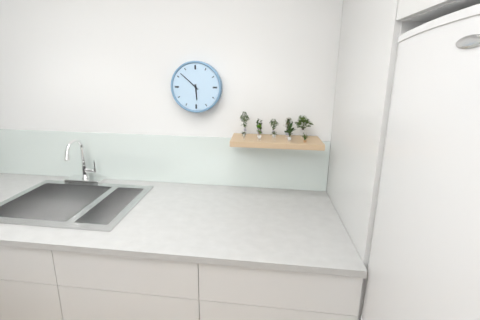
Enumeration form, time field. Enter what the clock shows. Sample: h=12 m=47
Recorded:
h=5 m=52
